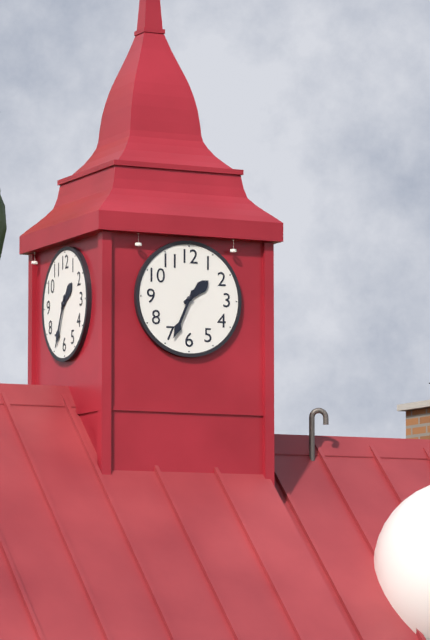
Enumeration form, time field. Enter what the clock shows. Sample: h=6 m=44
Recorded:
h=1 m=34
